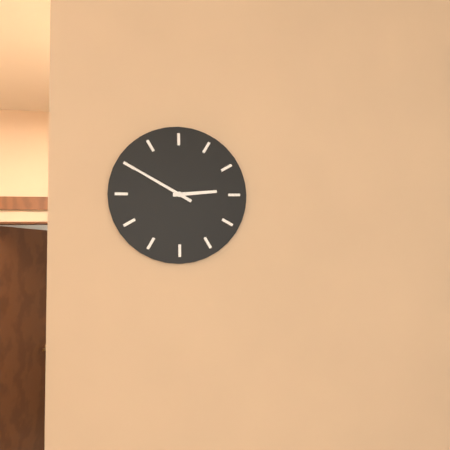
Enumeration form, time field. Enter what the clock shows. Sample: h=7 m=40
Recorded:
h=2 m=50
